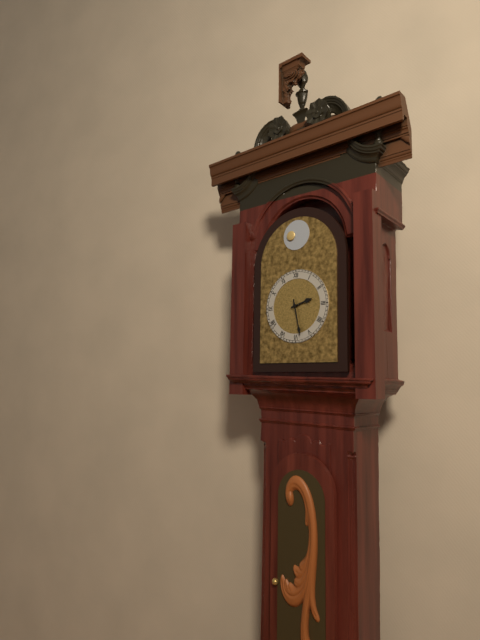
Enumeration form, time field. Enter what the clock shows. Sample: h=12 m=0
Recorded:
h=2 m=28
